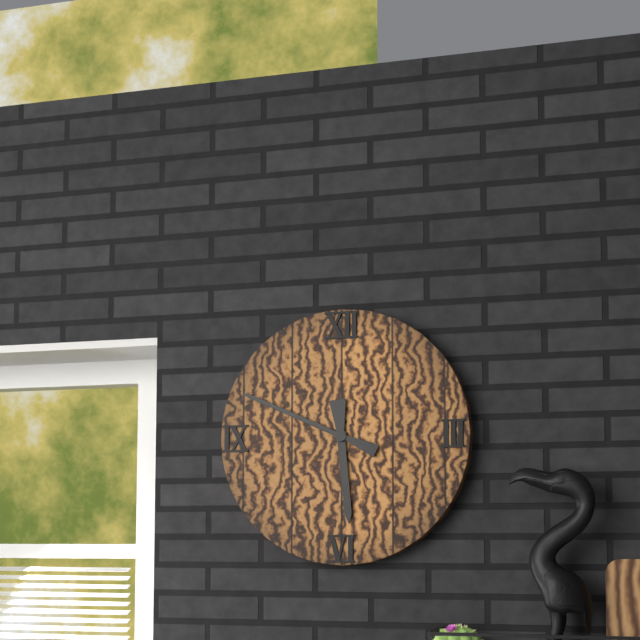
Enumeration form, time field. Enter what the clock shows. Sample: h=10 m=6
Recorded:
h=5 m=49
